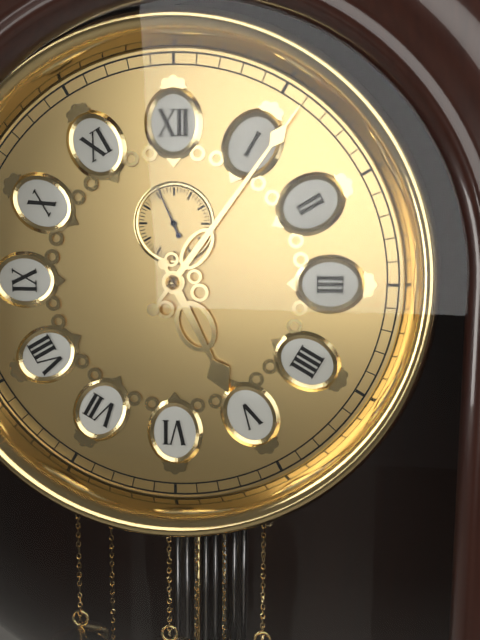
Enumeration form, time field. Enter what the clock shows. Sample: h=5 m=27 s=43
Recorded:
h=5 m=6 s=56
